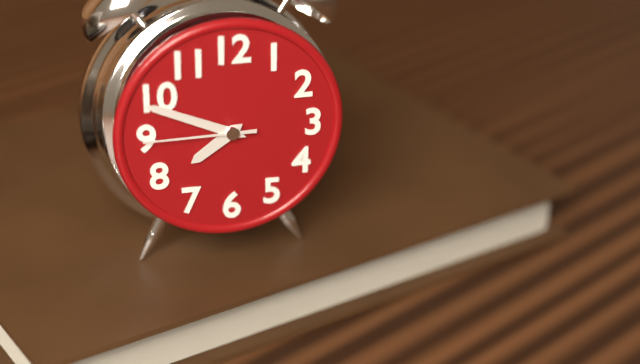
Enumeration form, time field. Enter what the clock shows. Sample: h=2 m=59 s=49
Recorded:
h=7 m=49 s=45
